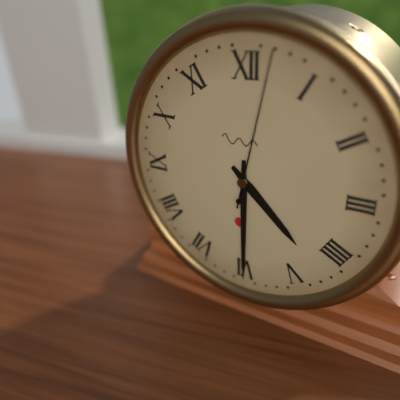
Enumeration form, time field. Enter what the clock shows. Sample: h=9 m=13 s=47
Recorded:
h=4 m=30 s=2
